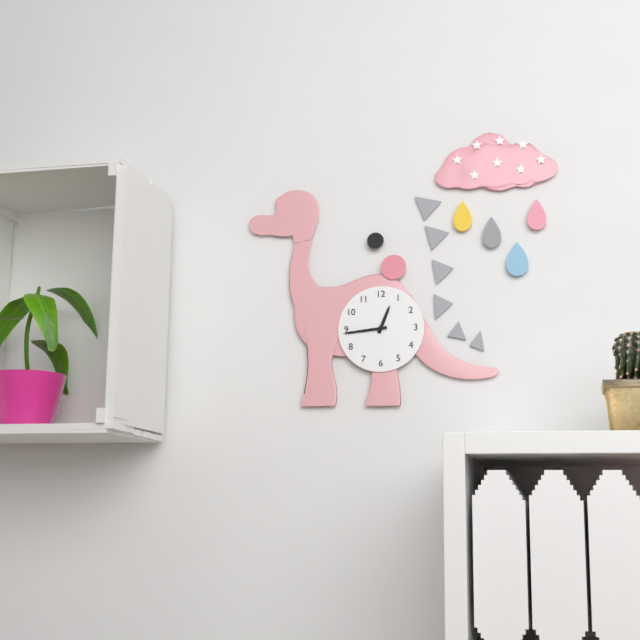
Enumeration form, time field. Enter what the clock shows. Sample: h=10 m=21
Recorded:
h=12 m=44
